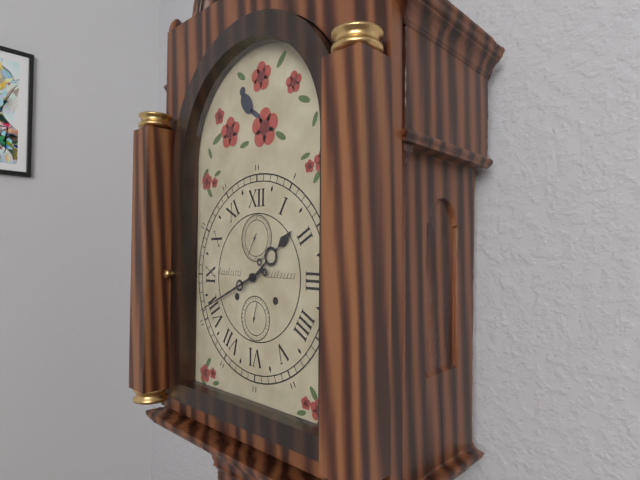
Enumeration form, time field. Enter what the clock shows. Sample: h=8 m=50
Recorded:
h=1 m=41
